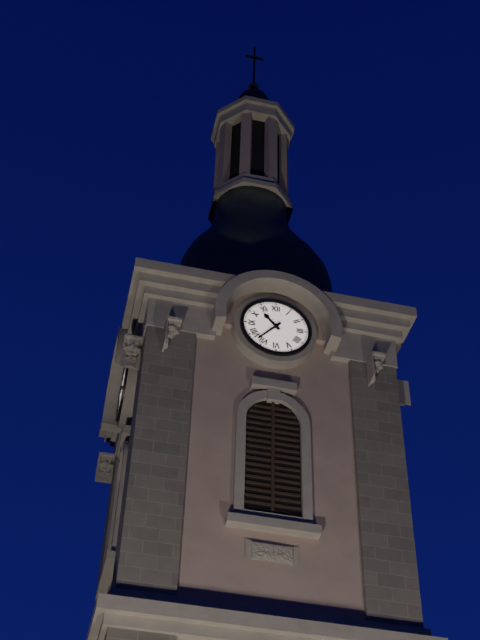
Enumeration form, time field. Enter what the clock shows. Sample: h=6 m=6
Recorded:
h=10 m=37
